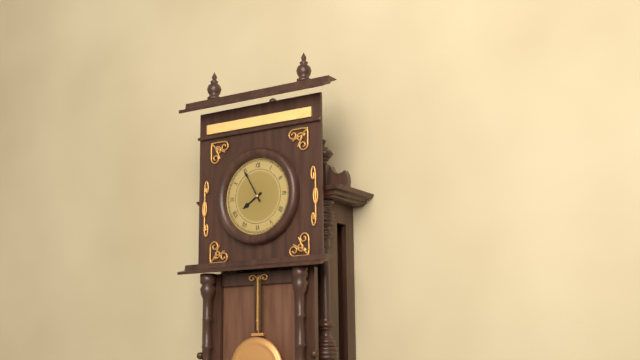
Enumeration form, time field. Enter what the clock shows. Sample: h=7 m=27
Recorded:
h=7 m=55
